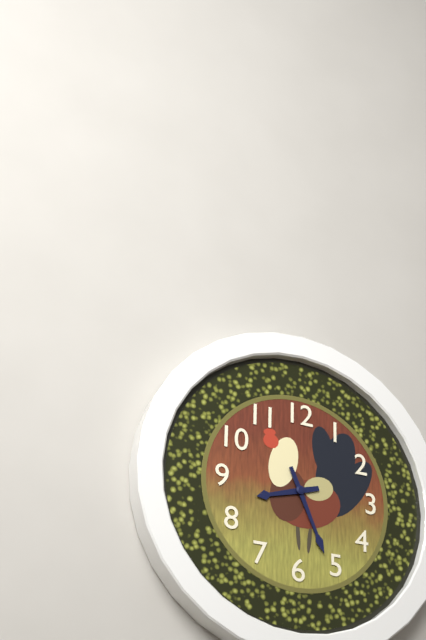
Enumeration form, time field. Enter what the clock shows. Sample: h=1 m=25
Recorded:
h=8 m=26
